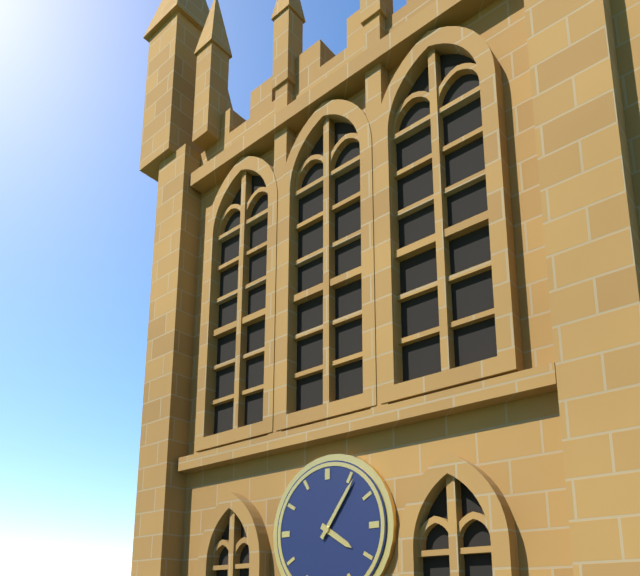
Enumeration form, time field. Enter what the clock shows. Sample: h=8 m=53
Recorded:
h=4 m=6
